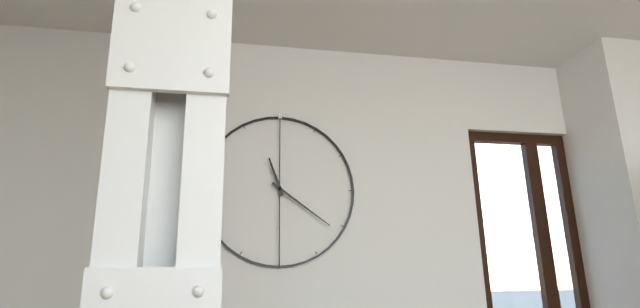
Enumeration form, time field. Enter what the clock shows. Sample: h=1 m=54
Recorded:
h=11 m=21
